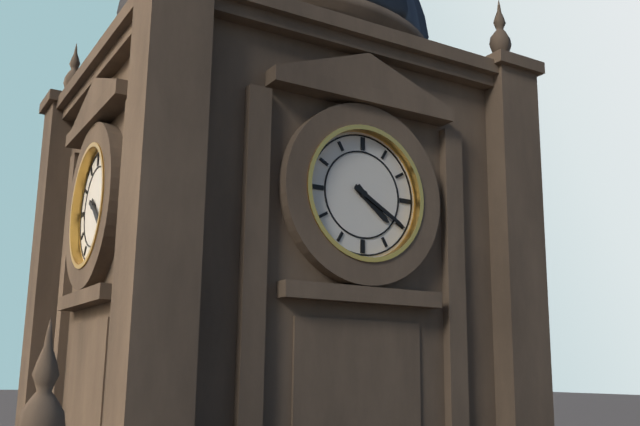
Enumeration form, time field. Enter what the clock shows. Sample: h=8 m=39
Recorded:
h=4 m=20
